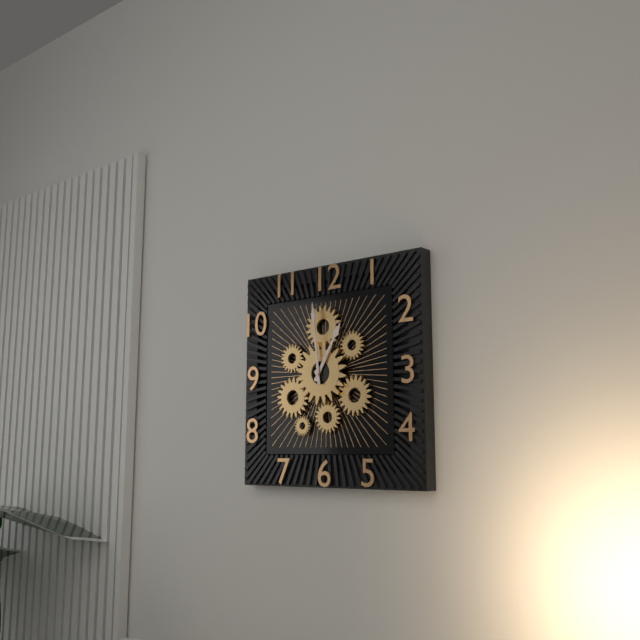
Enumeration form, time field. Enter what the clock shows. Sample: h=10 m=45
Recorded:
h=12 m=59
